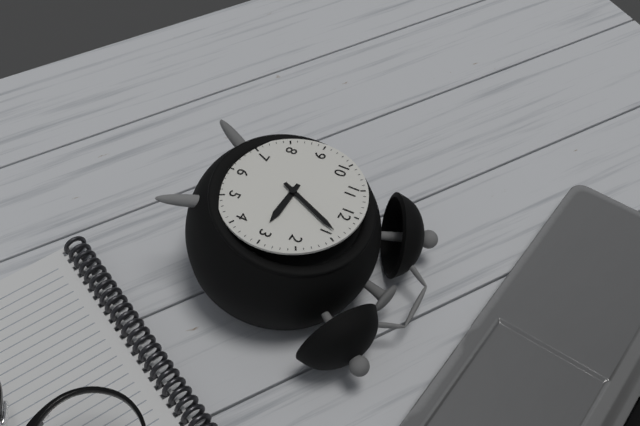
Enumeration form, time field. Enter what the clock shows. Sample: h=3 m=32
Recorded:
h=3 m=4
